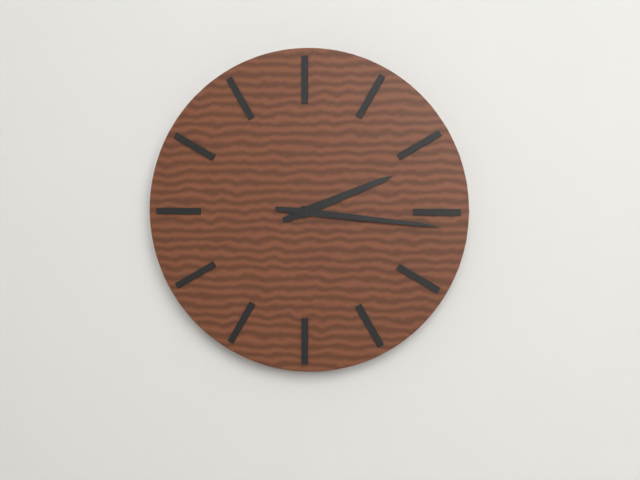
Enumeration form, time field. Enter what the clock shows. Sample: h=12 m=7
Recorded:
h=2 m=16
